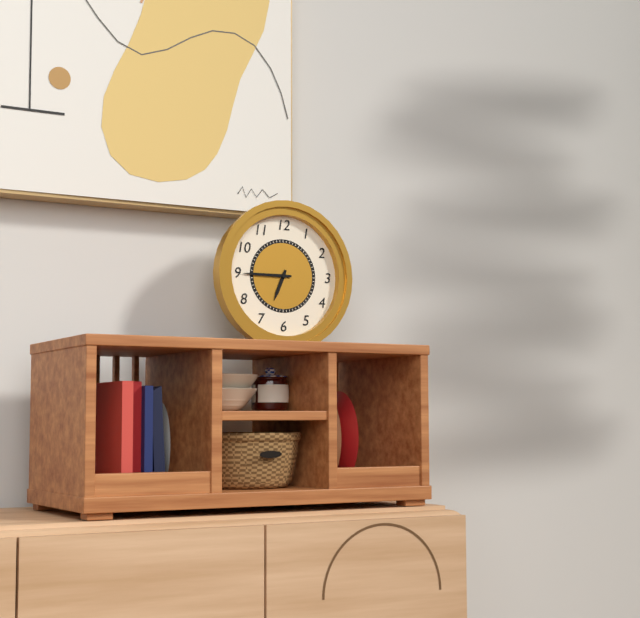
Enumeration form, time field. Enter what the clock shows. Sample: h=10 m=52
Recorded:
h=6 m=45
